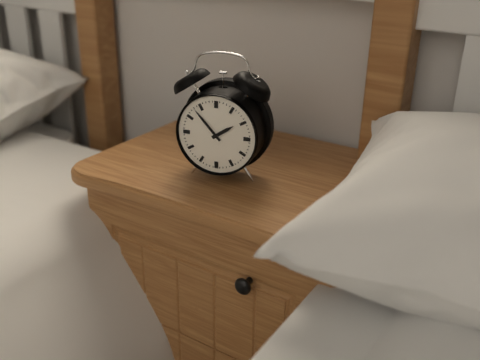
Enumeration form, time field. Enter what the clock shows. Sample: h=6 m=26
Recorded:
h=1 m=53
